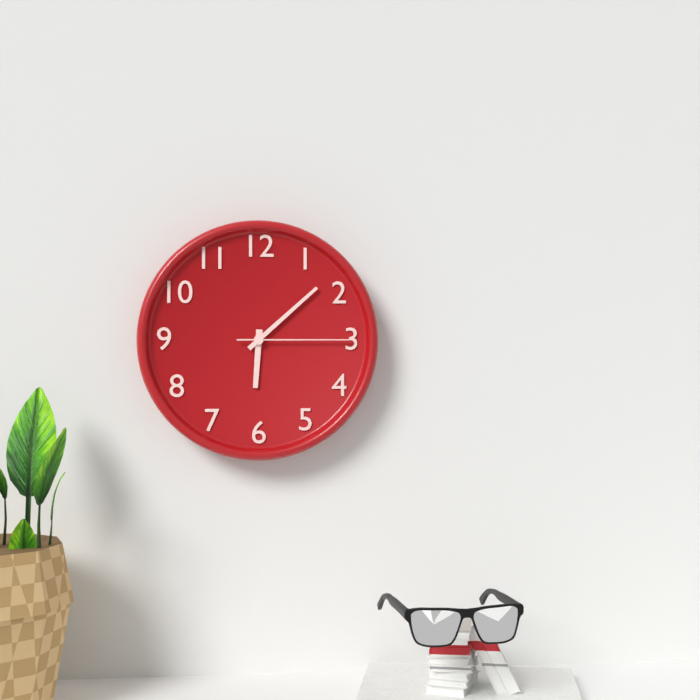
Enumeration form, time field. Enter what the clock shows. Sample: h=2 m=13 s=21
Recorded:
h=6 m=8 s=15
